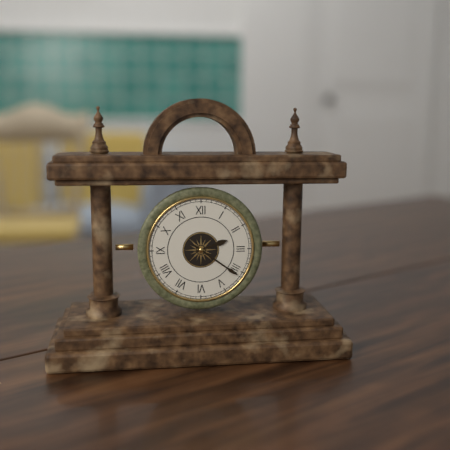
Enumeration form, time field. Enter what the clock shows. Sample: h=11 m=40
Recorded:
h=2 m=21
